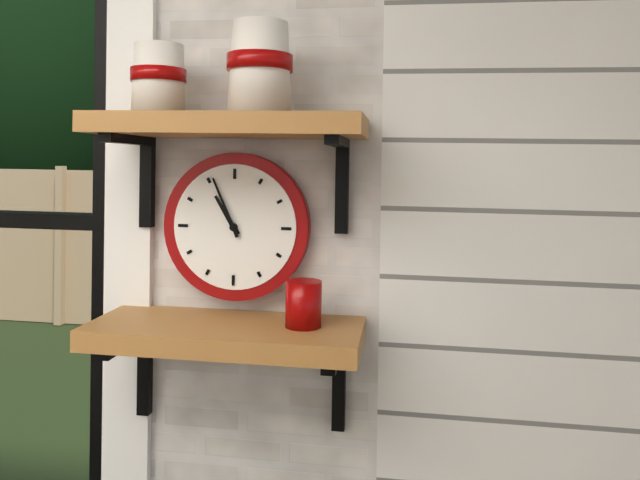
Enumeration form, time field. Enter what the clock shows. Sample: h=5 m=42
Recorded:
h=10 m=56
